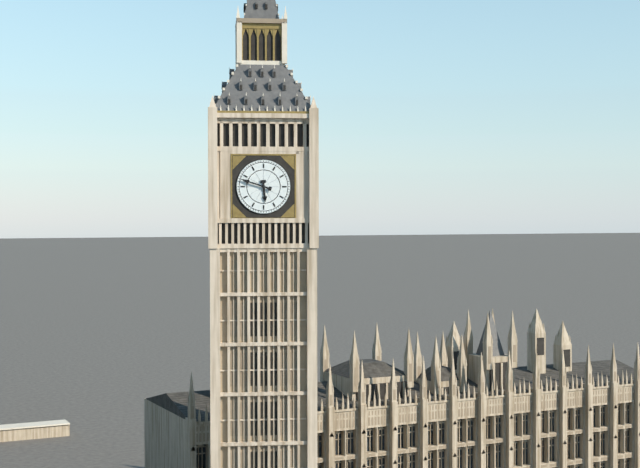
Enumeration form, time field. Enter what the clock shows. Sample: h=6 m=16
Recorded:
h=5 m=48
